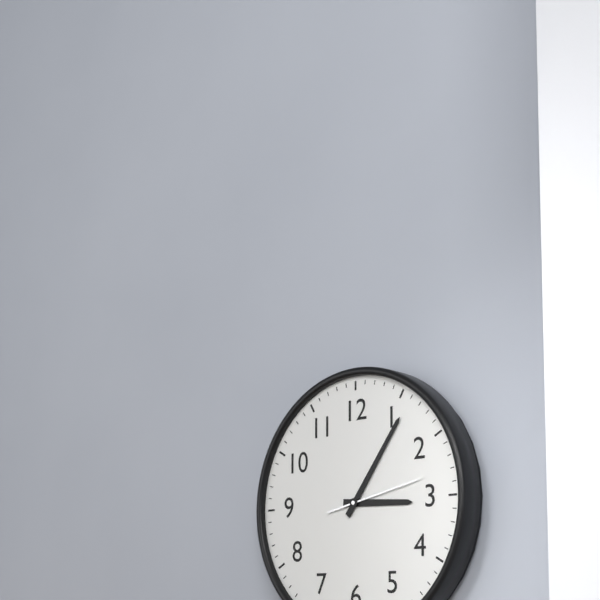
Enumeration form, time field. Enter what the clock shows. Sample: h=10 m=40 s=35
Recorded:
h=3 m=6 s=13
